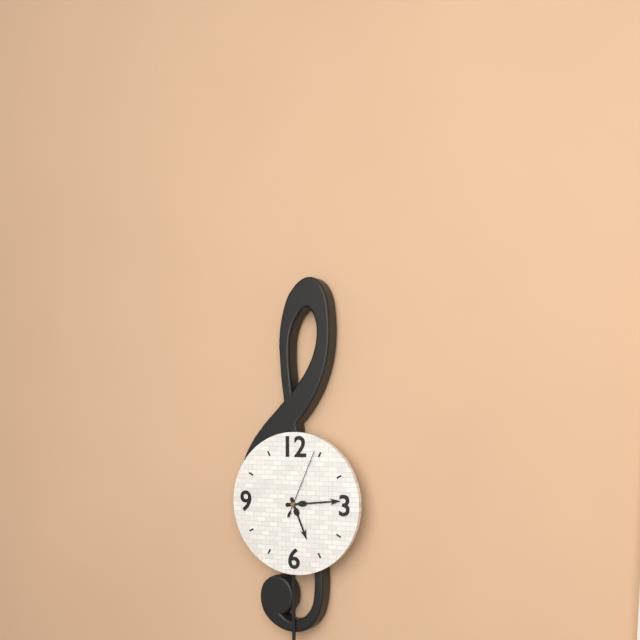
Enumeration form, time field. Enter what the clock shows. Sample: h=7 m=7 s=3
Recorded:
h=5 m=14 s=4
